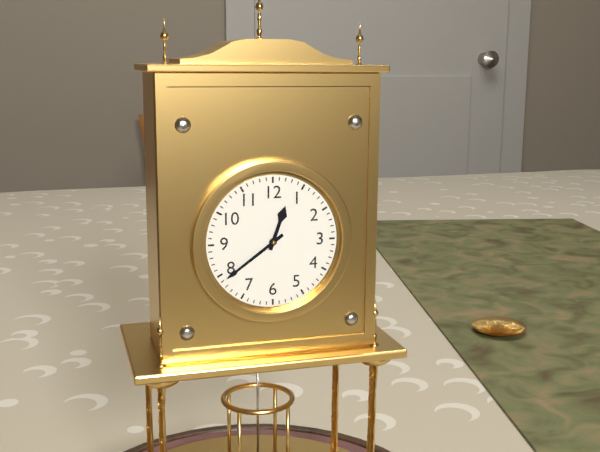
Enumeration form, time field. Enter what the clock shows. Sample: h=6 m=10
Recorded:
h=12 m=39
